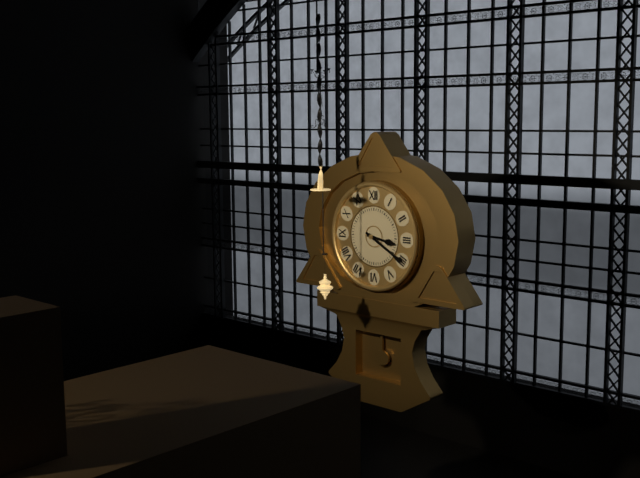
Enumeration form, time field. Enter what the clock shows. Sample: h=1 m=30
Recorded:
h=3 m=20
